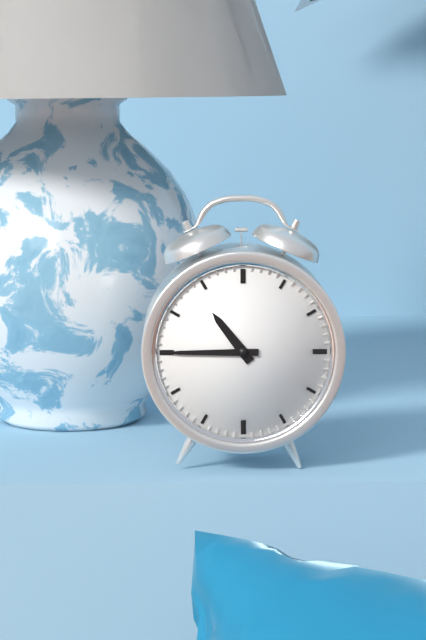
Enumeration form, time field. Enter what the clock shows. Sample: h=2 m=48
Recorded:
h=10 m=45
